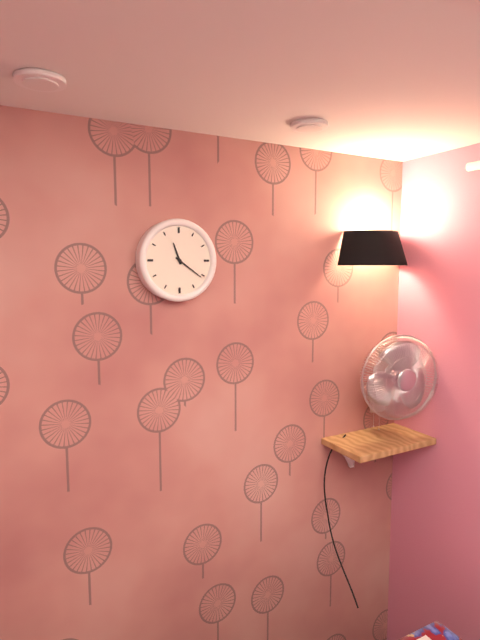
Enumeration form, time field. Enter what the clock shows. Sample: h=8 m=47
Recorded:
h=11 m=21
